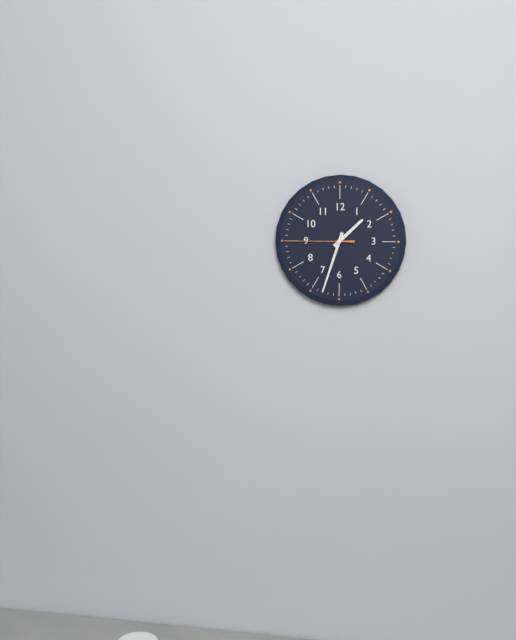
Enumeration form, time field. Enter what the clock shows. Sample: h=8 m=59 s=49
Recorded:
h=1 m=33 s=45
